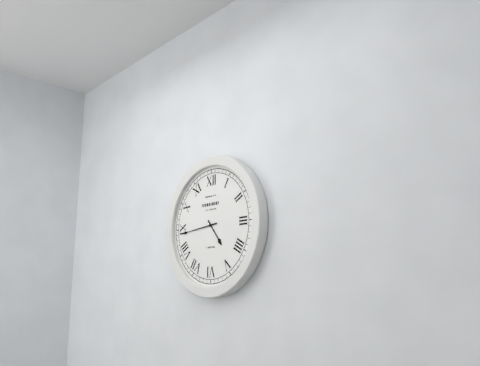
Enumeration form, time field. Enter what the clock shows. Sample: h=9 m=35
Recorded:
h=4 m=44
